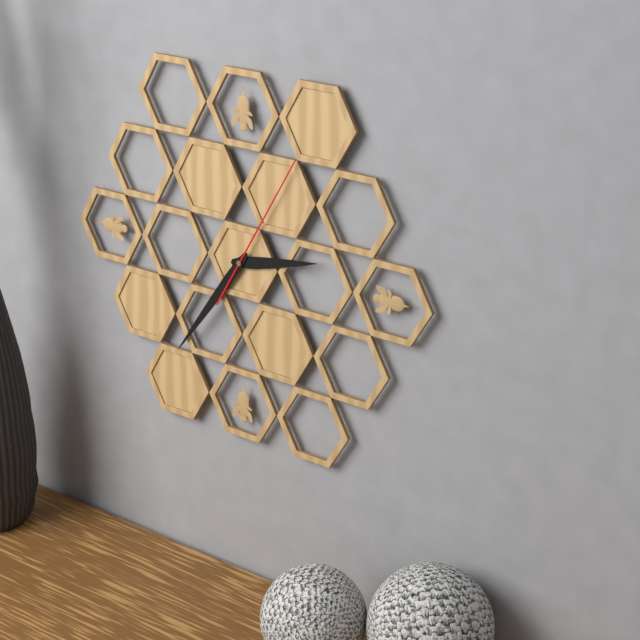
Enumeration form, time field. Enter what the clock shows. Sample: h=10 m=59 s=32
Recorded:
h=2 m=36 s=5
